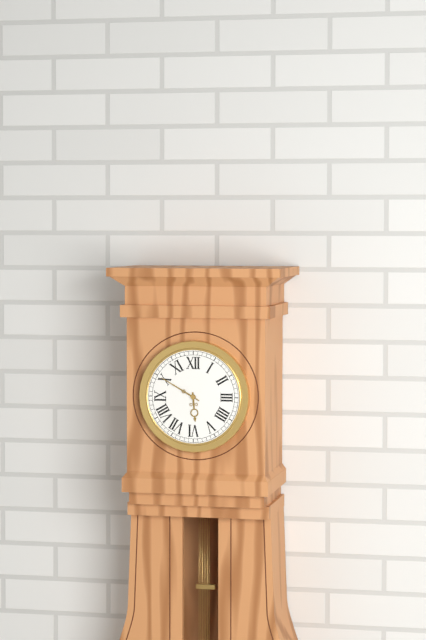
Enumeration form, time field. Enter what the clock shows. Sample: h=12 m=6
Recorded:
h=5 m=50
